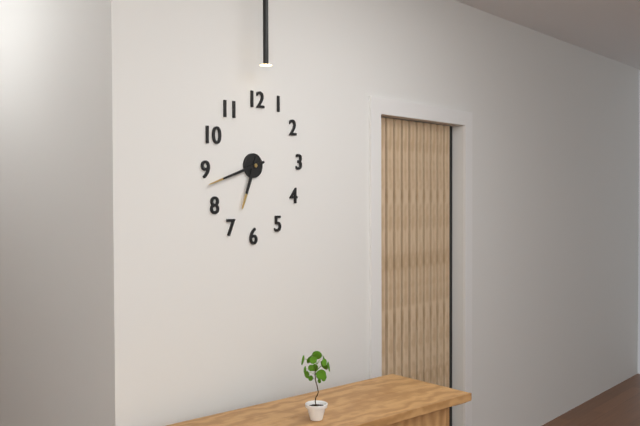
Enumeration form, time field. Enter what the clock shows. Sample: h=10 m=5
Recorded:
h=6 m=42
